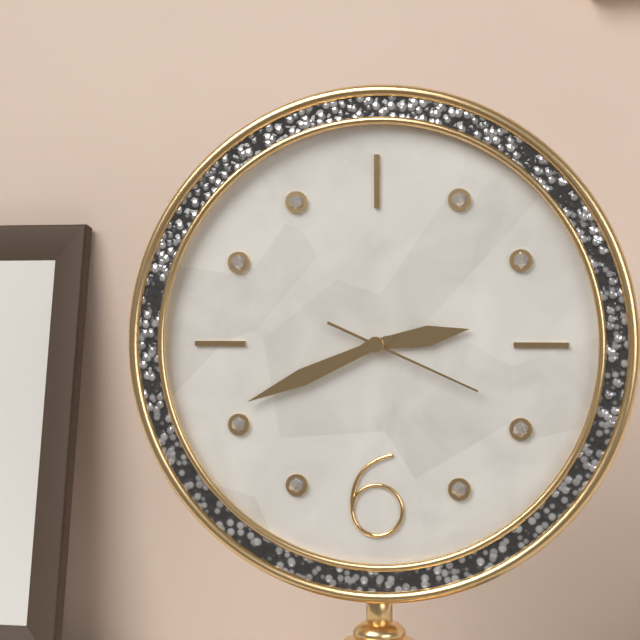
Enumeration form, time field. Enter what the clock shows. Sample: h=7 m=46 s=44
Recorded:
h=2 m=41 s=19
